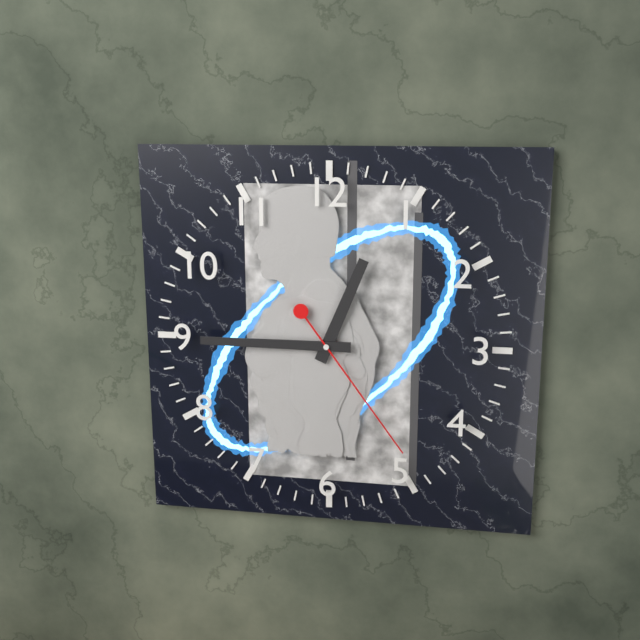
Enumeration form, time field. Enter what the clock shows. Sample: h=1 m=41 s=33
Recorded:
h=12 m=45 s=24
